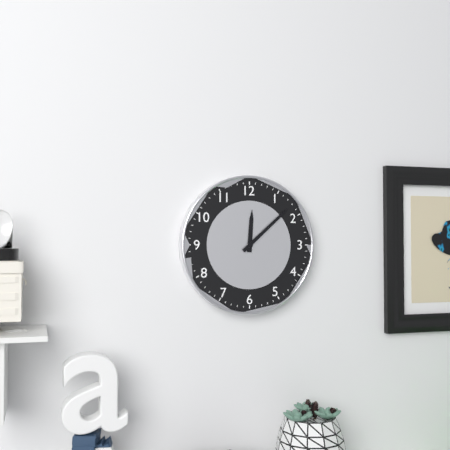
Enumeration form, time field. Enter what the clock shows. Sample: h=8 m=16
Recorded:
h=12 m=8
